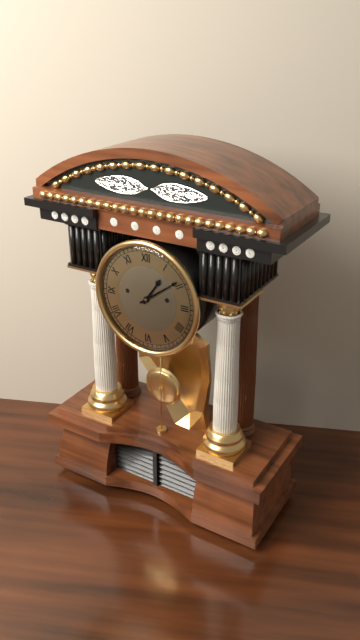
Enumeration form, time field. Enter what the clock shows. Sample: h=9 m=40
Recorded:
h=1 m=9
